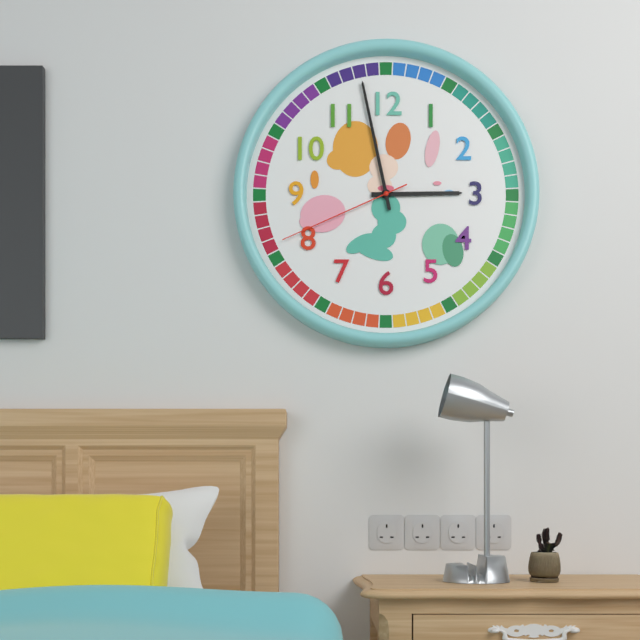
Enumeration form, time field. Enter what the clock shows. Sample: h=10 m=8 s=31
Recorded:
h=2 m=58 s=41
